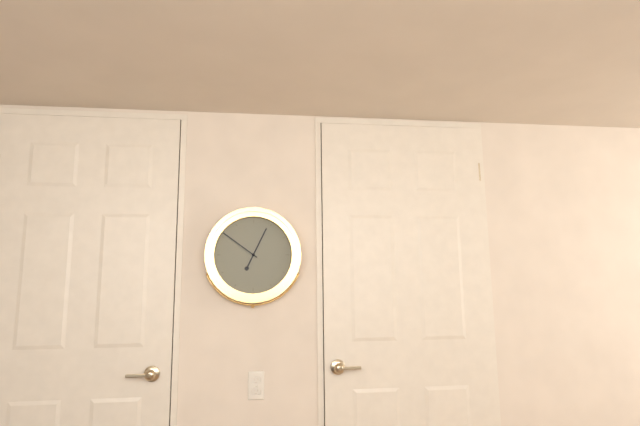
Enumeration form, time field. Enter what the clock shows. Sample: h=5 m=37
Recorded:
h=12 m=51
